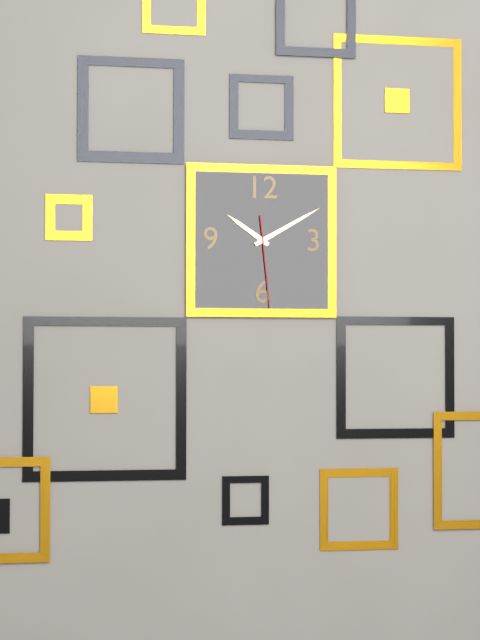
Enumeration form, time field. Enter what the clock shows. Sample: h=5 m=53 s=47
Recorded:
h=10 m=10 s=29
